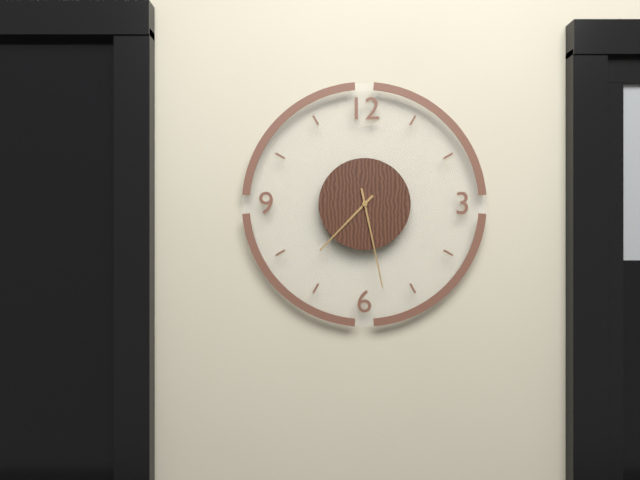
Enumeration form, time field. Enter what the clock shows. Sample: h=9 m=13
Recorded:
h=7 m=28
